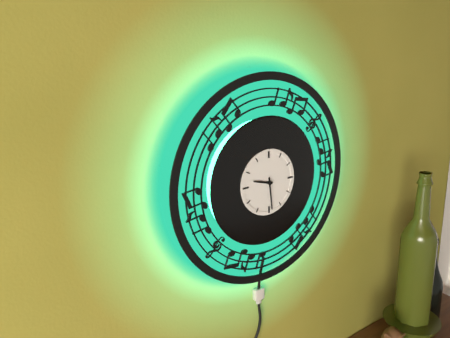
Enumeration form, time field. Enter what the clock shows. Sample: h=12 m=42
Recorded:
h=9 m=29
